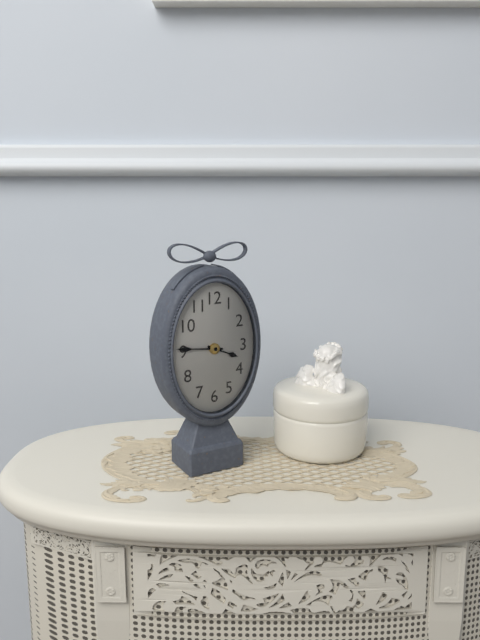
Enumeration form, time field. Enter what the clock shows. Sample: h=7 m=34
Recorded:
h=3 m=46
